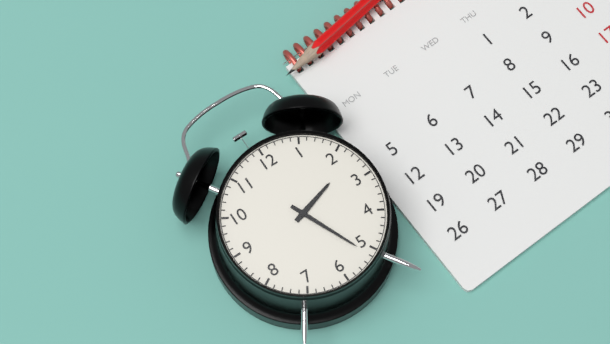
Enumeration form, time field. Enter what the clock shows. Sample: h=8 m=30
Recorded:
h=2 m=26
